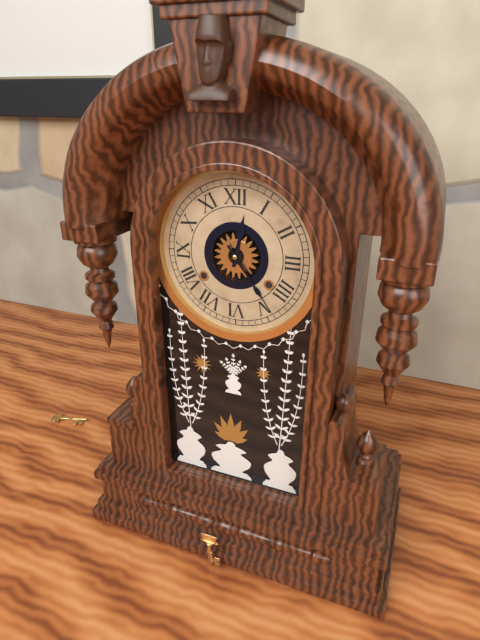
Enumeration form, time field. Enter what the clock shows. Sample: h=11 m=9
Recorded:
h=12 m=24
